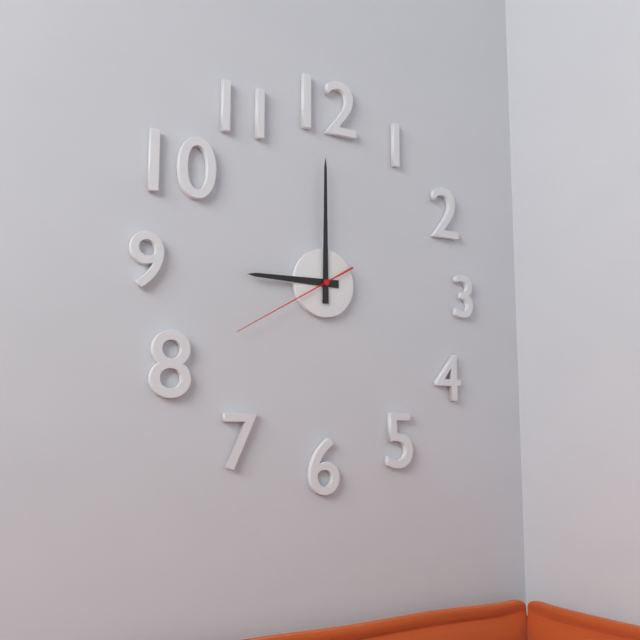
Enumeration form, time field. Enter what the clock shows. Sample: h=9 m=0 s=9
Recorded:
h=9 m=0 s=40
